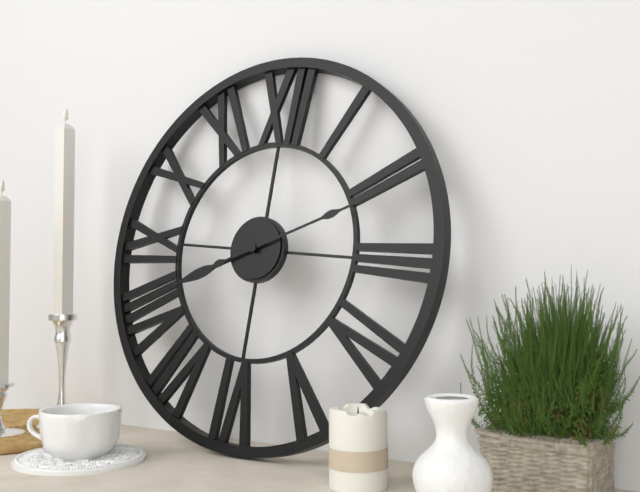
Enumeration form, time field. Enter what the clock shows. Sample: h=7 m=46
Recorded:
h=8 m=11
